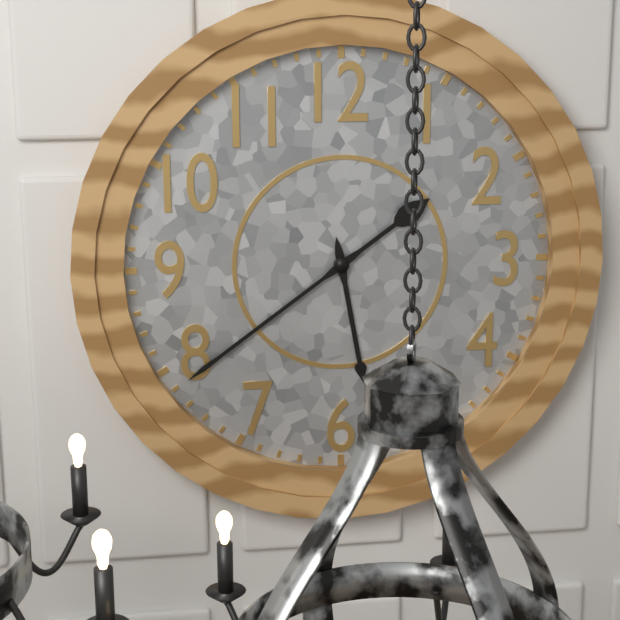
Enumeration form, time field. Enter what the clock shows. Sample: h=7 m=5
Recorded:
h=5 m=39
